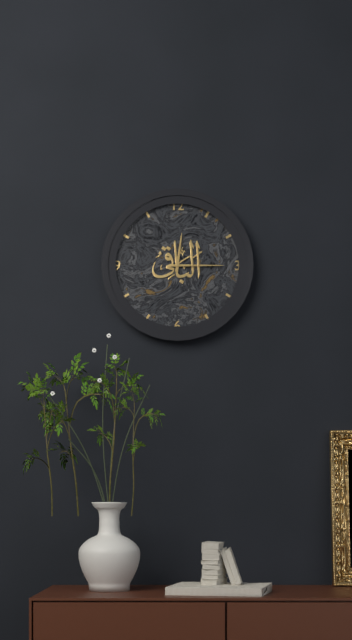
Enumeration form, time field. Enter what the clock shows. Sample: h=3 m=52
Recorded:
h=12 m=15
